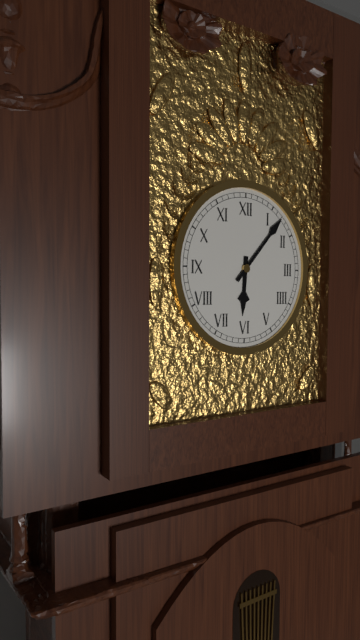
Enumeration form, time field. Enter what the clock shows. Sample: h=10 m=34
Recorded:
h=6 m=7
